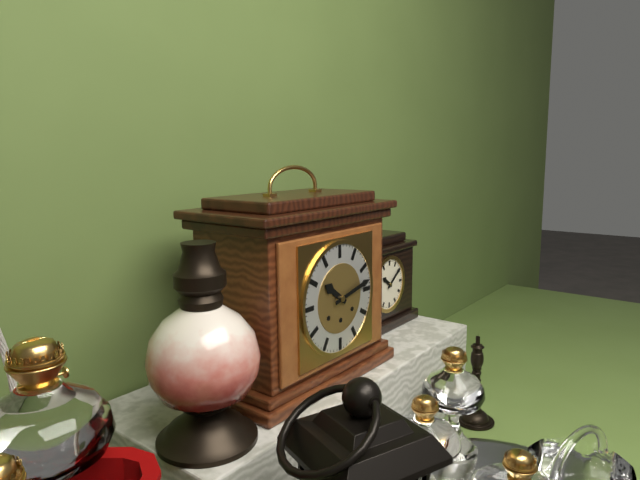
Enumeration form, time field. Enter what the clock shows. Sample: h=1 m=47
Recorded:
h=10 m=13
